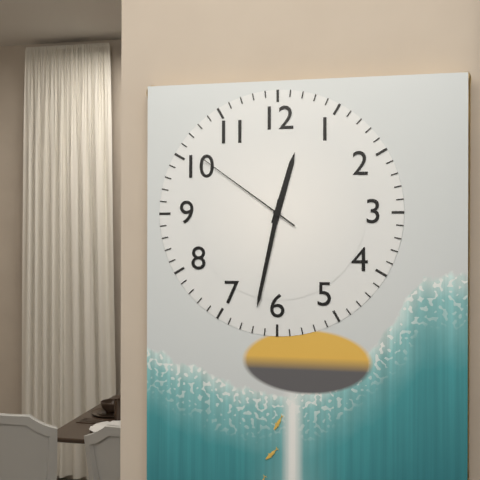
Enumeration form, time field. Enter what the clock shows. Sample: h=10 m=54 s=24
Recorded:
h=12 m=32 s=51
